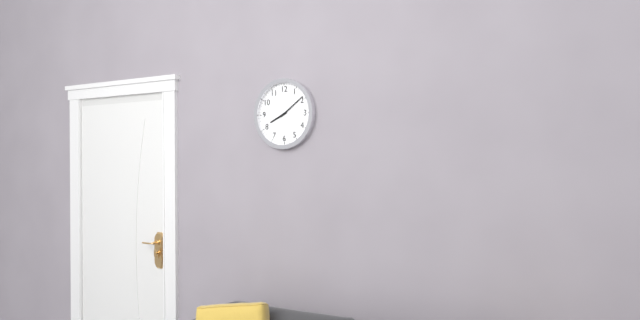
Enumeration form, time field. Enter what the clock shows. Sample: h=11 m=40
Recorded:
h=8 m=9
